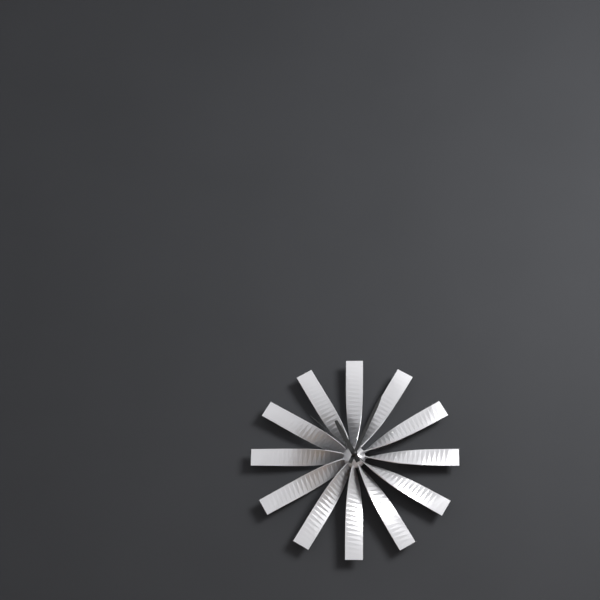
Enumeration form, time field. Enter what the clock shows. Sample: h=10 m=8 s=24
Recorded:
h=11 m=4 s=52
